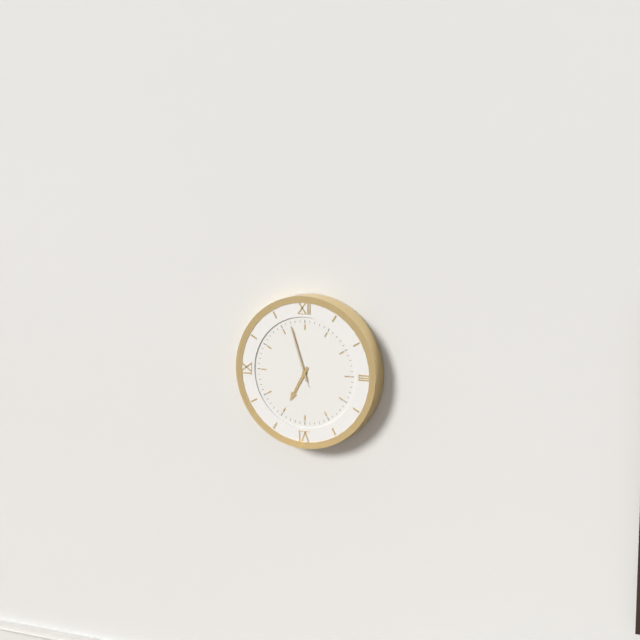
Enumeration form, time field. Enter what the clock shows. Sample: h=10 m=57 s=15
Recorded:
h=6 m=57 s=57
